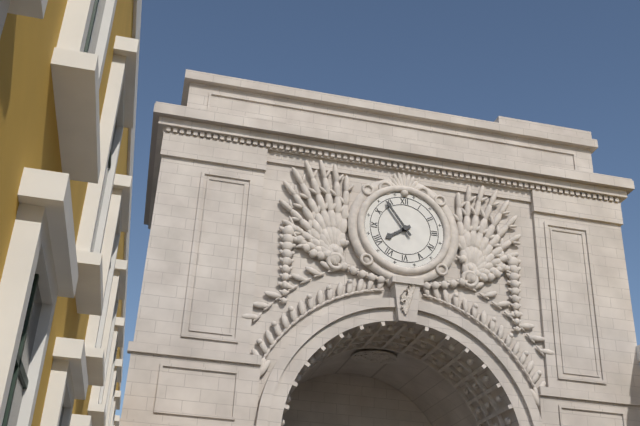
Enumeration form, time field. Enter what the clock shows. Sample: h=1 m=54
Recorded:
h=7 m=54
